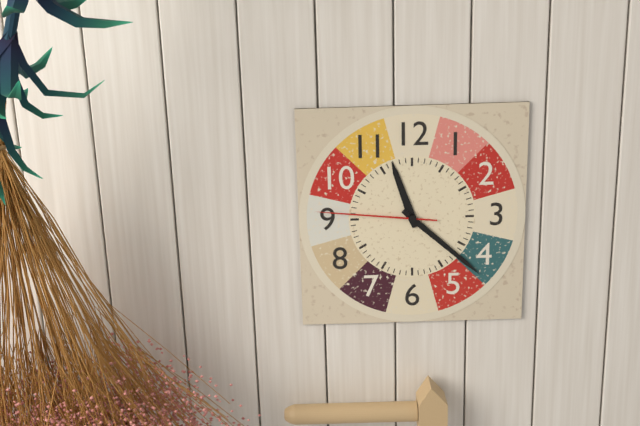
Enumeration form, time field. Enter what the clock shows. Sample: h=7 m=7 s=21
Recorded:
h=11 m=22 s=46
